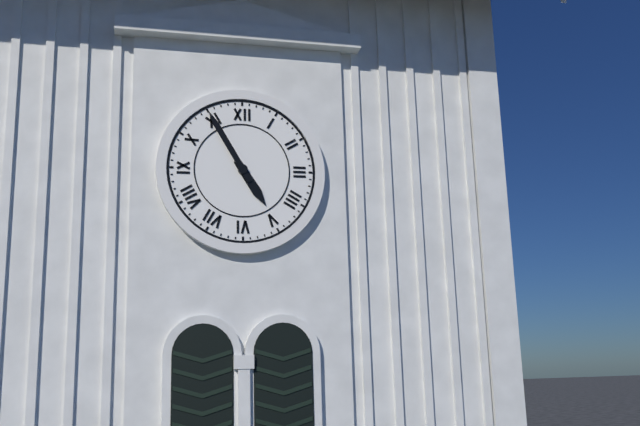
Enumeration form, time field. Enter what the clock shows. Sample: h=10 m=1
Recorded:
h=4 m=55
